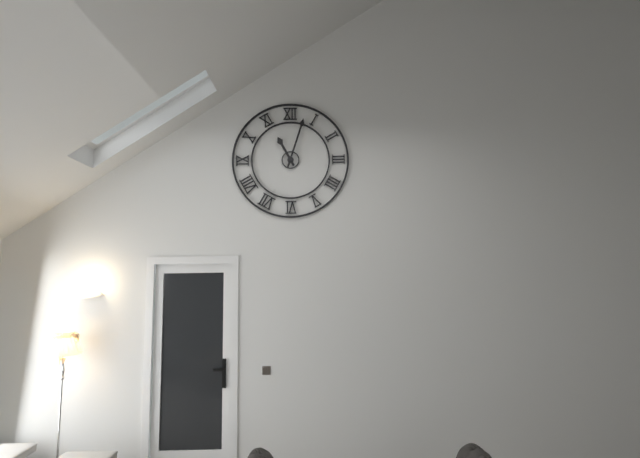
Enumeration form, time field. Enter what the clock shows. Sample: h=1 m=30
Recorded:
h=11 m=3
